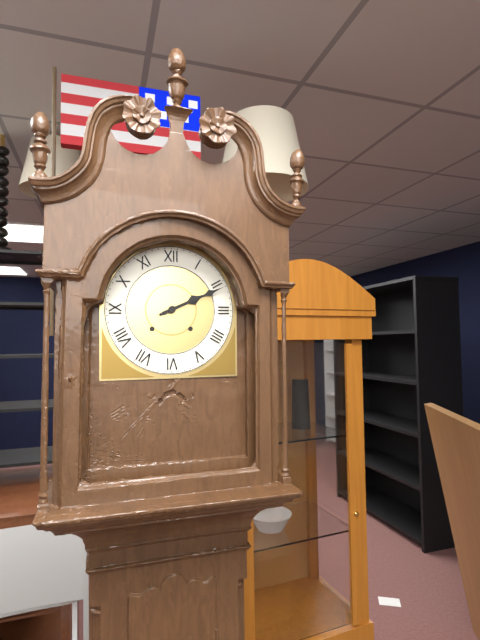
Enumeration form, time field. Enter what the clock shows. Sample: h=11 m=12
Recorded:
h=2 m=11
